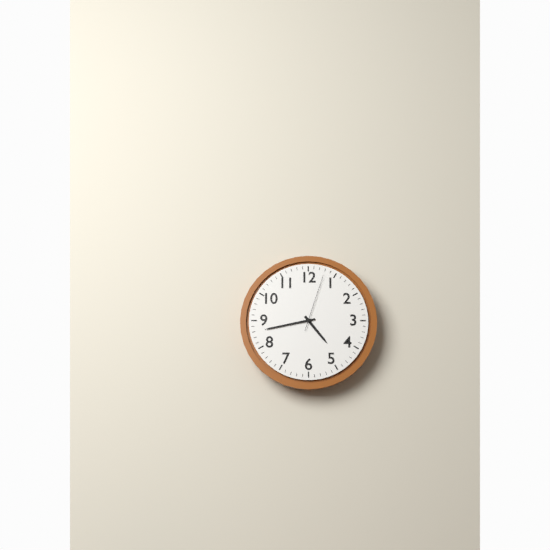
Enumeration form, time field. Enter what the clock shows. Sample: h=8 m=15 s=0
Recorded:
h=4 m=43 s=3
